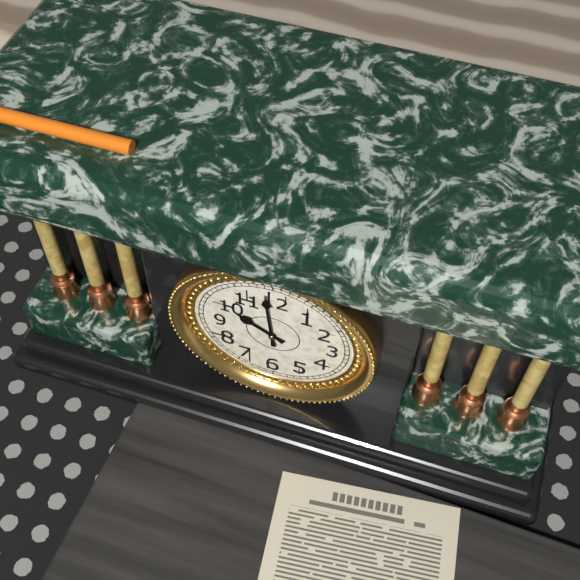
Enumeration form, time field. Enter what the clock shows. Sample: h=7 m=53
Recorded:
h=9 m=59
